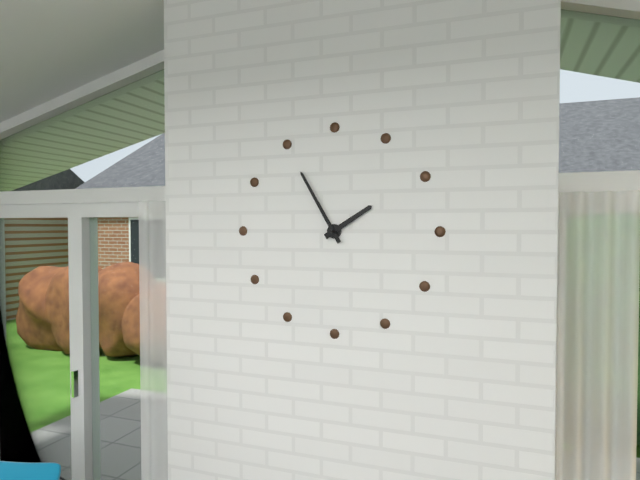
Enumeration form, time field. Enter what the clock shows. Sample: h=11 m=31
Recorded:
h=1 m=55
